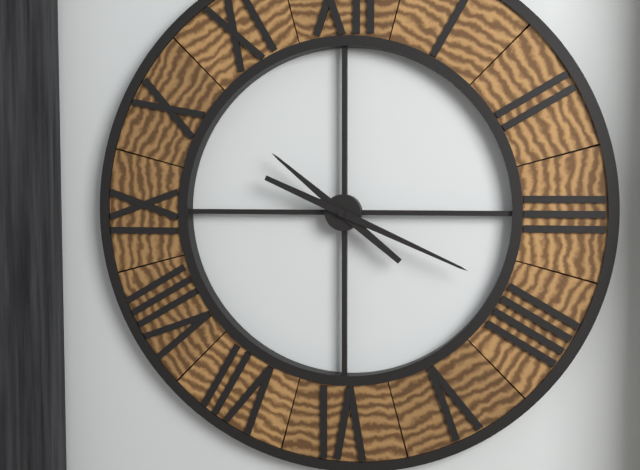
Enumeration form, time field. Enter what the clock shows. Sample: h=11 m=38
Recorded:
h=10 m=19
